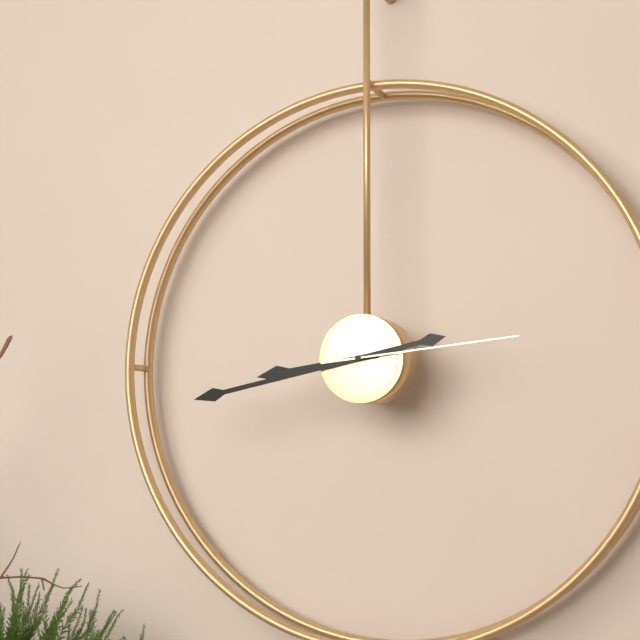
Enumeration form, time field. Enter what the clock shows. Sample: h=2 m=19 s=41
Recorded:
h=8 m=43 s=14
